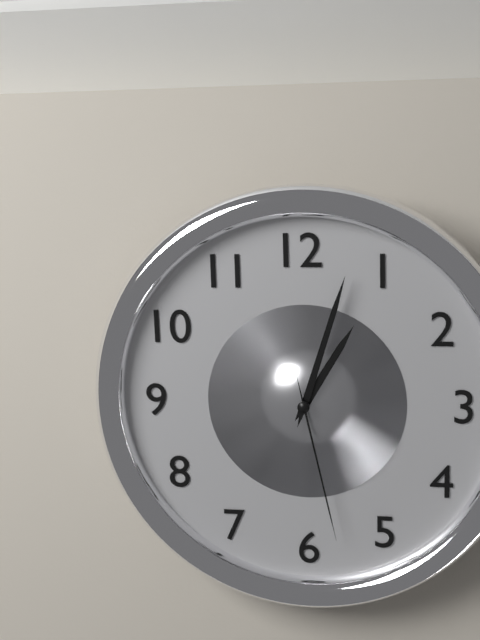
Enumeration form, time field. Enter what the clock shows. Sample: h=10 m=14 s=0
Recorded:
h=1 m=3 s=28
